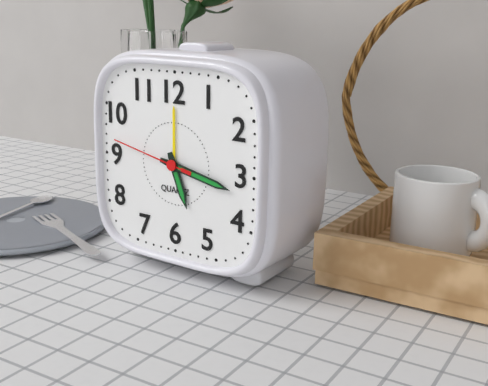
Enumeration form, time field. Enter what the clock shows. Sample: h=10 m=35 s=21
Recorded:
h=5 m=17 s=47
